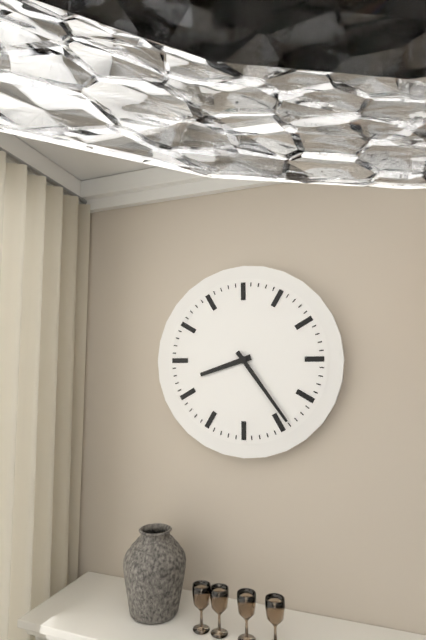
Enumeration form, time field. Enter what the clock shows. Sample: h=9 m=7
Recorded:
h=8 m=24
